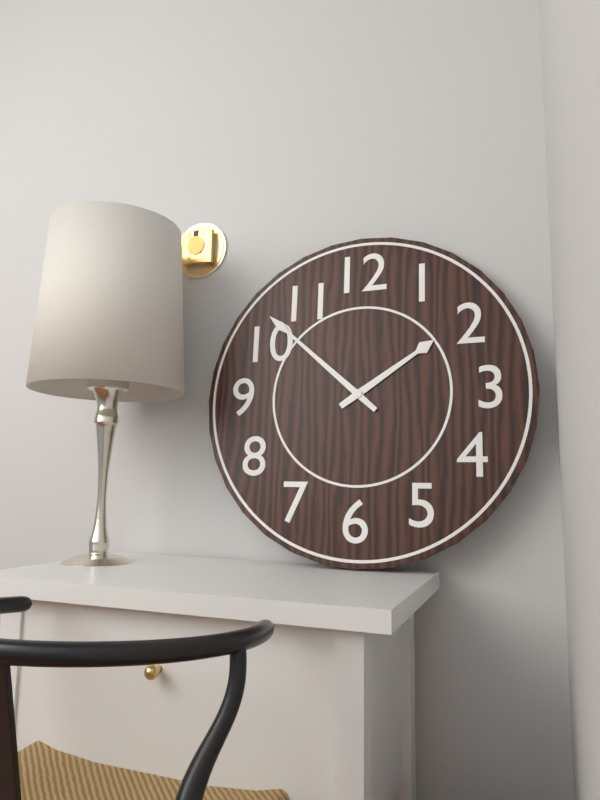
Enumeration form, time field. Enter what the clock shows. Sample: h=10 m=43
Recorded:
h=1 m=52
